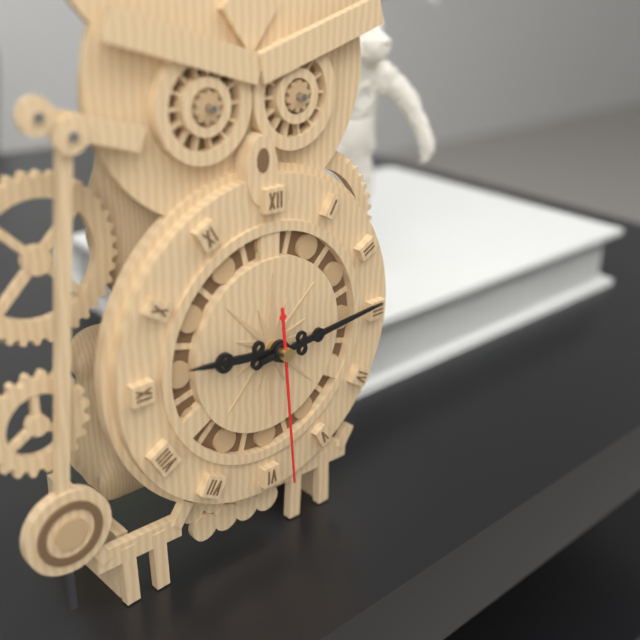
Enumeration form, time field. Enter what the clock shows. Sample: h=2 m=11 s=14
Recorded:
h=9 m=14 s=29
